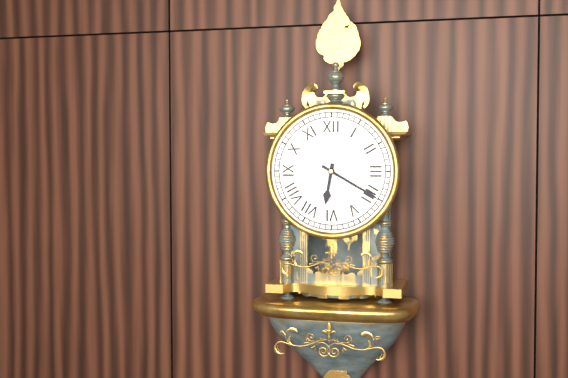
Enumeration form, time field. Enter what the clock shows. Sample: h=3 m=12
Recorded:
h=6 m=20
